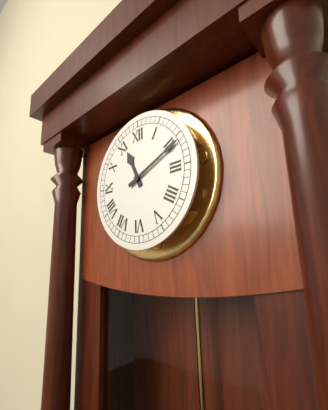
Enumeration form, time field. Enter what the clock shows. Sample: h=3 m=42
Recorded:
h=11 m=11
